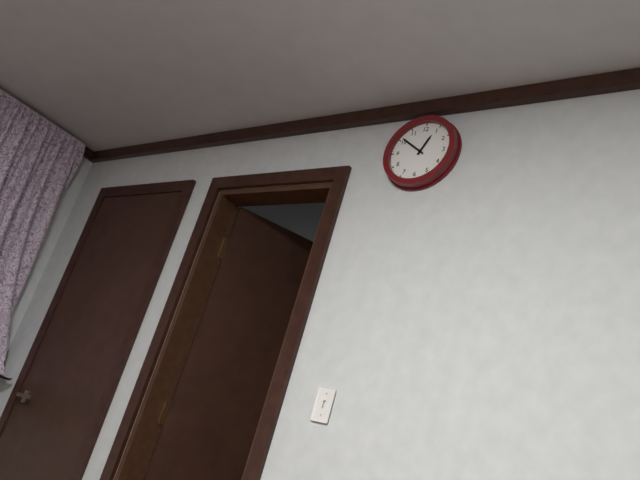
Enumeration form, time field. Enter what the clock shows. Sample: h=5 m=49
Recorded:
h=12 m=51
